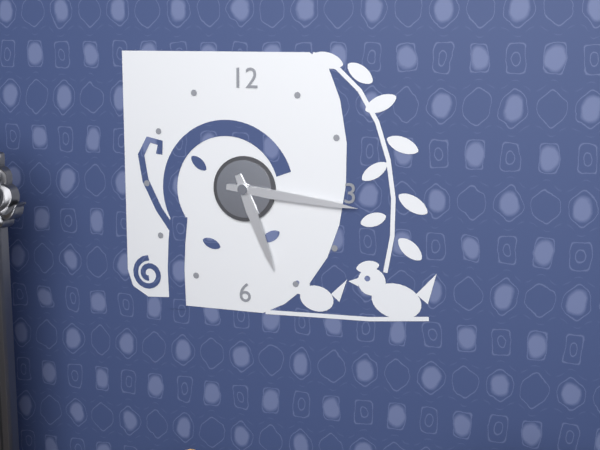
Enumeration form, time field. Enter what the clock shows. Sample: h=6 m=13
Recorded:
h=5 m=16
